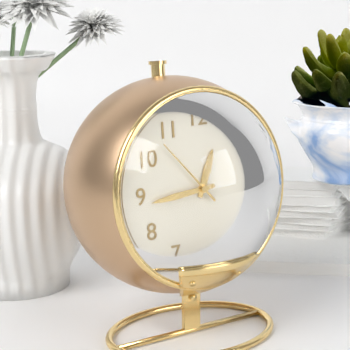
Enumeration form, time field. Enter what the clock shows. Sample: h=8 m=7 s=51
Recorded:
h=12 m=44 s=53
